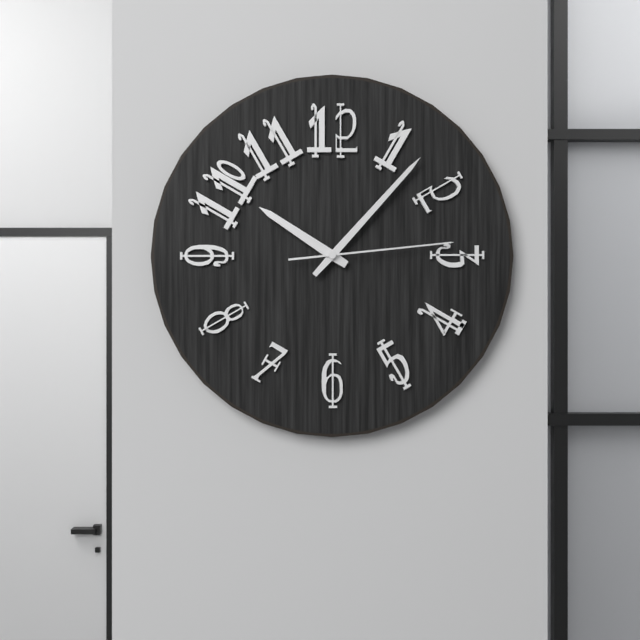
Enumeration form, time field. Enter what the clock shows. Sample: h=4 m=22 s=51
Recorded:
h=10 m=7 s=14
